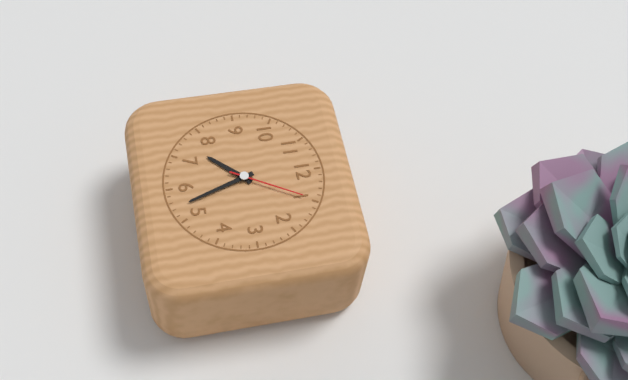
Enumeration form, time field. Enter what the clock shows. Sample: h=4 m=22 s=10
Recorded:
h=7 m=27 s=5
